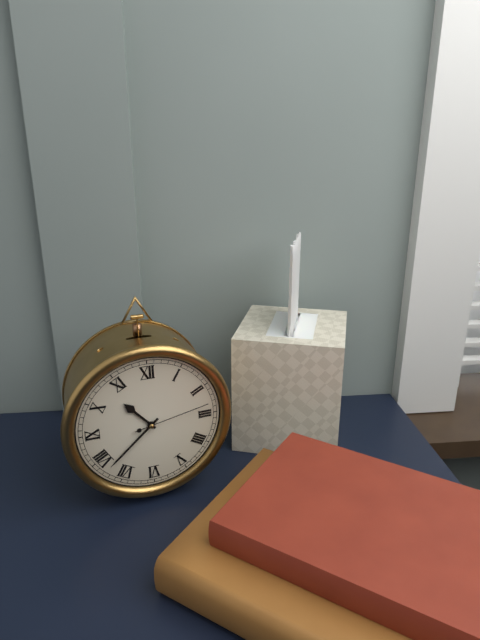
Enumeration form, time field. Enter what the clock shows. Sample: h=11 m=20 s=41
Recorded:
h=10 m=38 s=13
